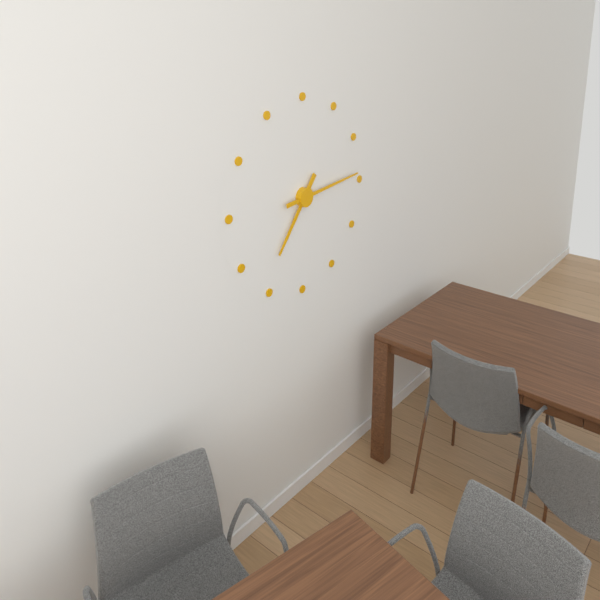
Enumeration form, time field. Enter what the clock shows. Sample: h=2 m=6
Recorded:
h=7 m=14
